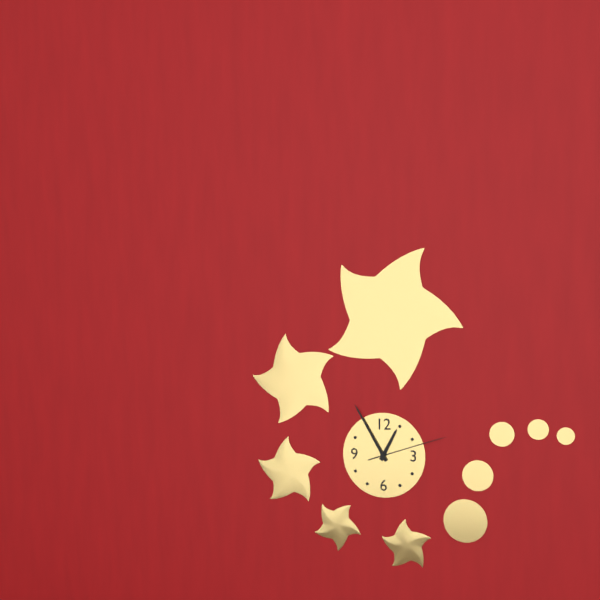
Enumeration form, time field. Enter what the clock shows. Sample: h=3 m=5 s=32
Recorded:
h=12 m=55 s=12
